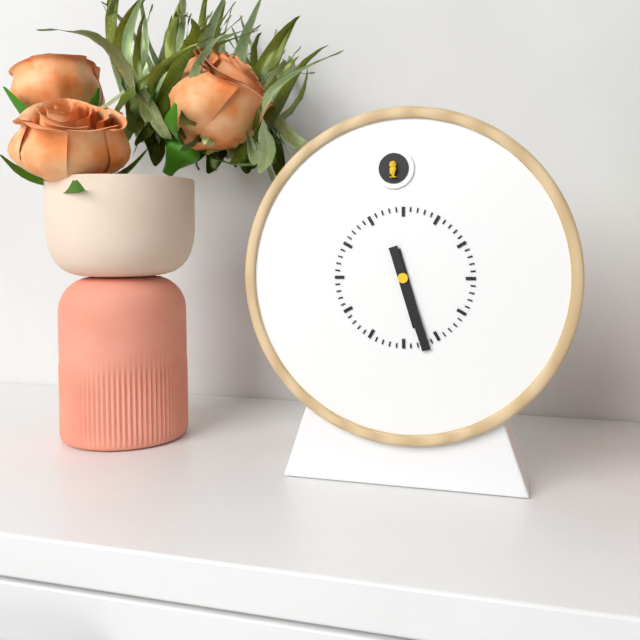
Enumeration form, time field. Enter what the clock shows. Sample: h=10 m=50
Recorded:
h=5 m=27
